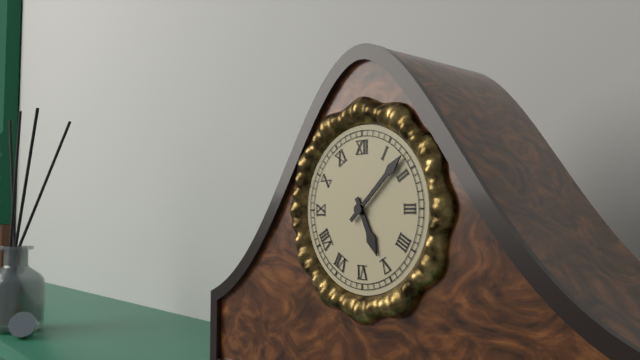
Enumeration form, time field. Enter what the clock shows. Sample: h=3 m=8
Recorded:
h=5 m=8
